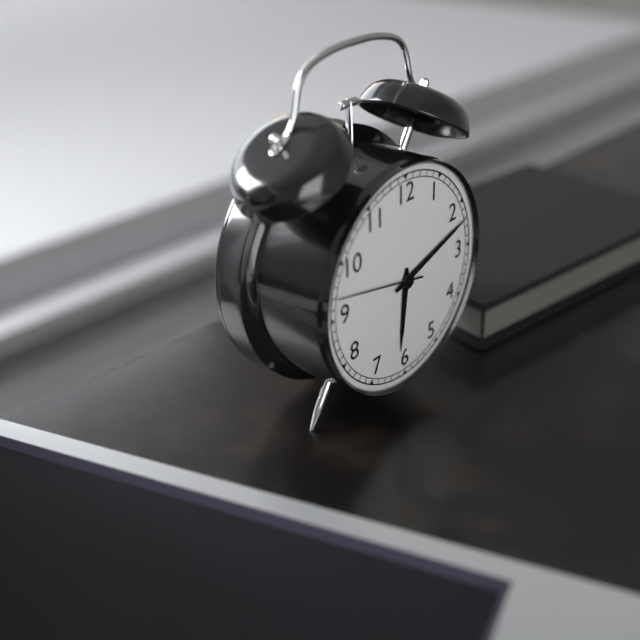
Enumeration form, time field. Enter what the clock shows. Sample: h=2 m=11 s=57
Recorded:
h=6 m=12 s=47
